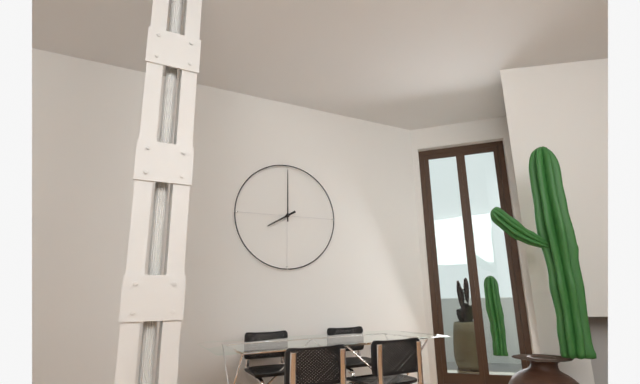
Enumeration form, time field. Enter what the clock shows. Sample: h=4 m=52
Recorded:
h=8 m=0
